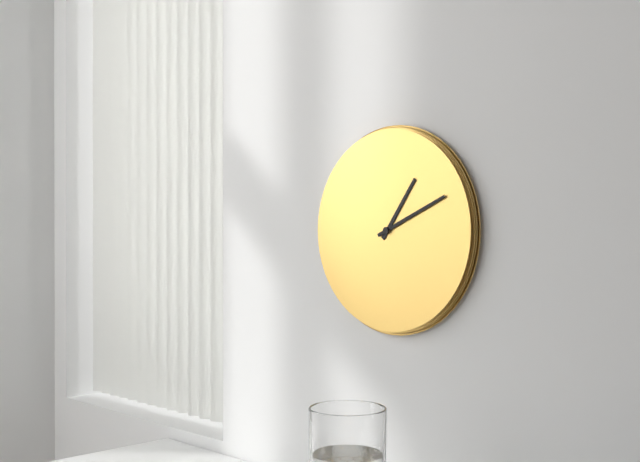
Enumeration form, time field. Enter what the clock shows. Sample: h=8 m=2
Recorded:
h=1 m=11
